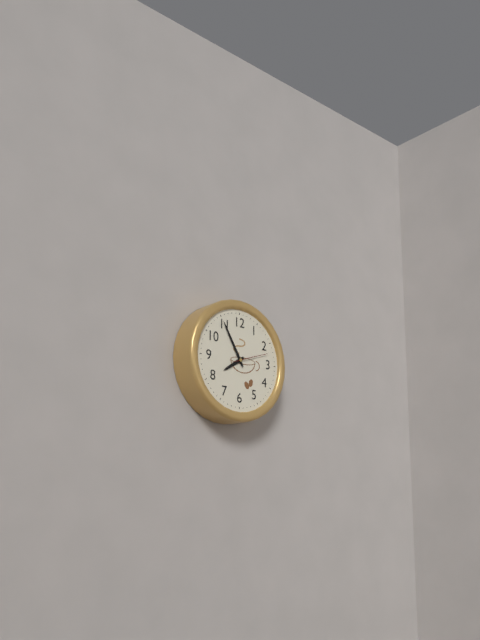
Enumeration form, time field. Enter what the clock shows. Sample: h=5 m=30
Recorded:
h=7 m=55
